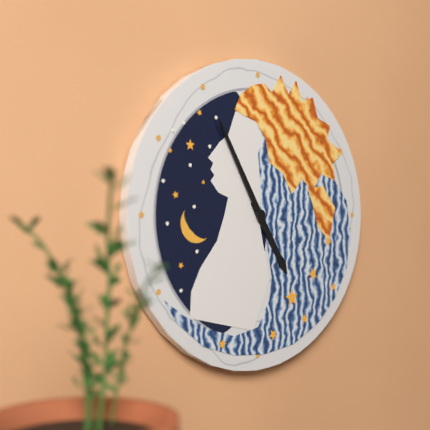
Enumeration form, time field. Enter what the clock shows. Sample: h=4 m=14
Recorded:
h=4 m=55
